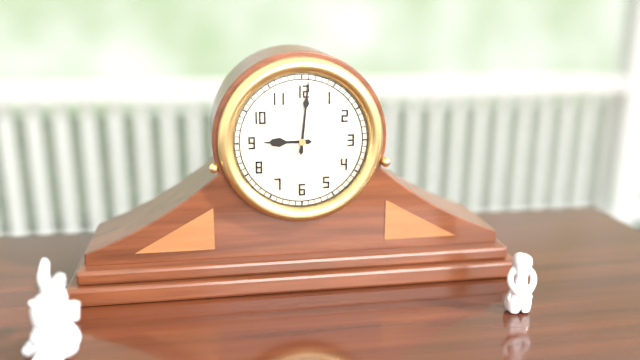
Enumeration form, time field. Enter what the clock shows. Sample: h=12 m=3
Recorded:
h=9 m=1
